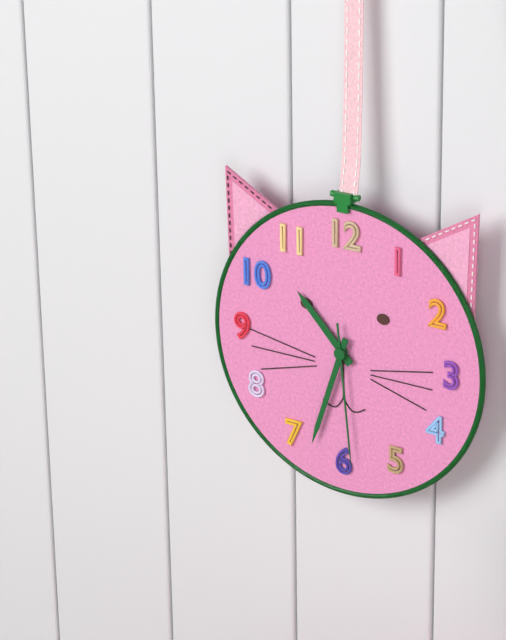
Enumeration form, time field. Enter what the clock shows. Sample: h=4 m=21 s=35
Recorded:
h=10 m=33 s=29
